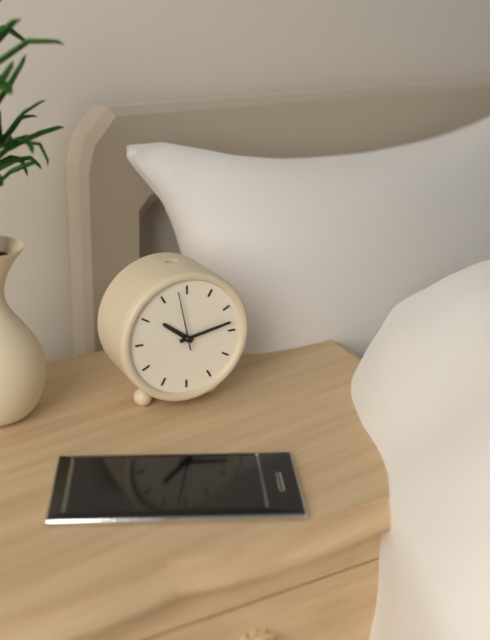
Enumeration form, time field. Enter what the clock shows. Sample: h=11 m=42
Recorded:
h=10 m=13
